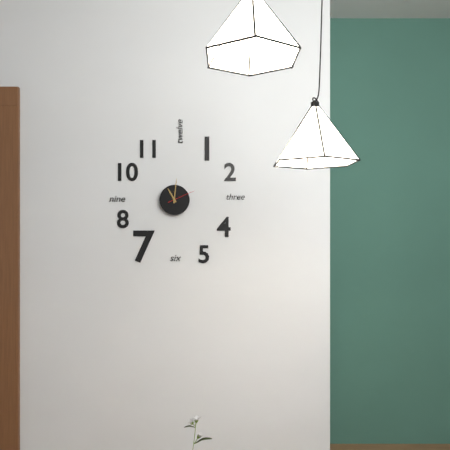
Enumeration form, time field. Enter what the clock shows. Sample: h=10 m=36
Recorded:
h=11 m=1
